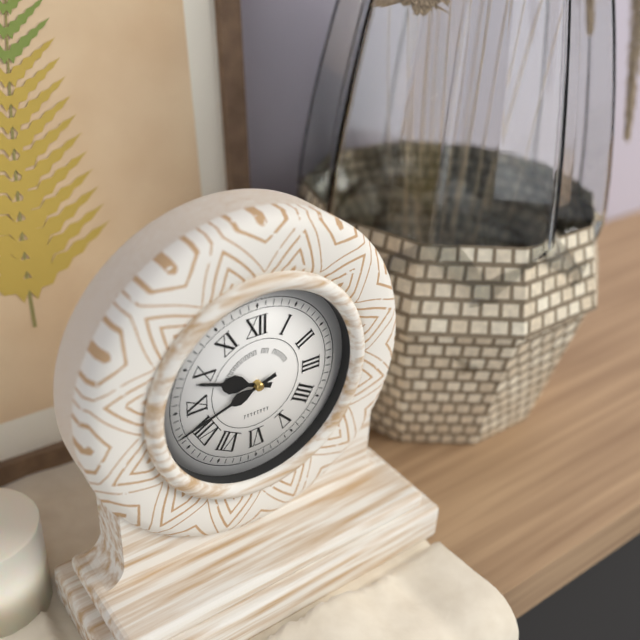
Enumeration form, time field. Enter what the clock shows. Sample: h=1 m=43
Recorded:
h=9 m=42
